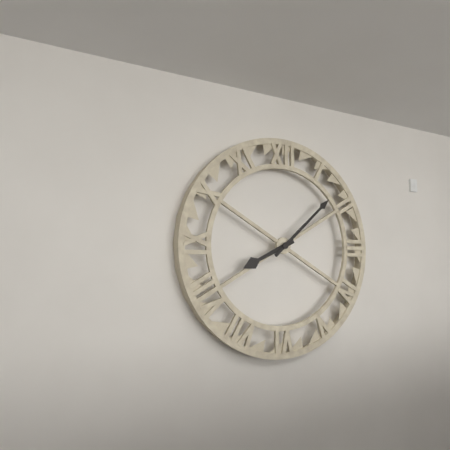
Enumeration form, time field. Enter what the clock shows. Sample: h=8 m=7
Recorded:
h=8 m=8
